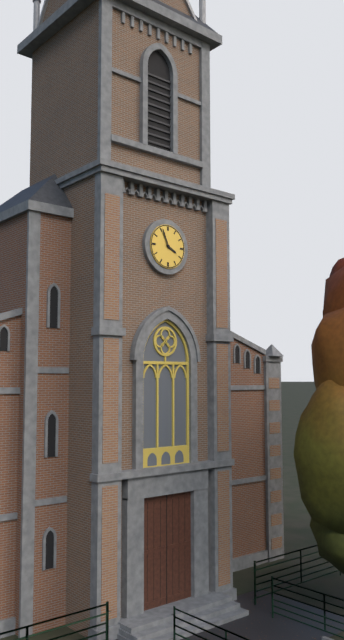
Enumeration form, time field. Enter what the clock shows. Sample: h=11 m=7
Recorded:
h=3 m=56
